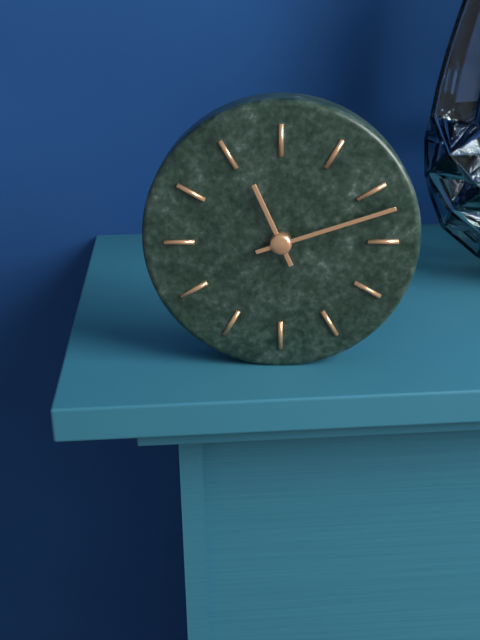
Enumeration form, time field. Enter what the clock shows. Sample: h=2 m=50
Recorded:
h=11 m=12
